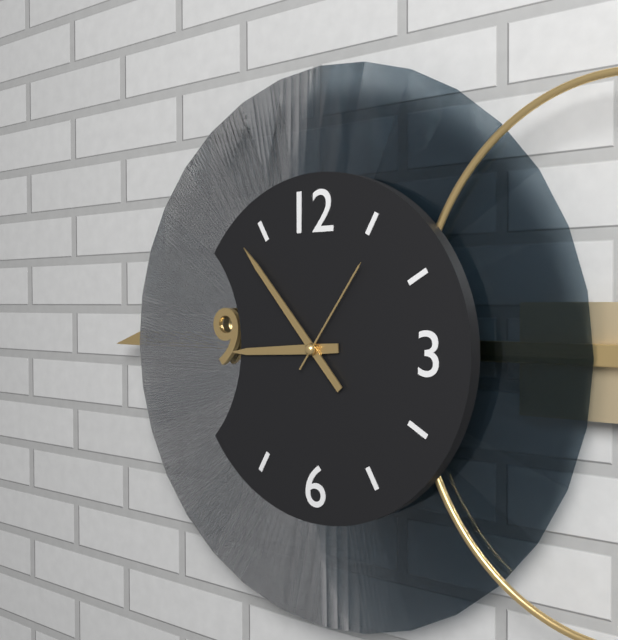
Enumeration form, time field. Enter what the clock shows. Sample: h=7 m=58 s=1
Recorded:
h=8 m=53 s=6
